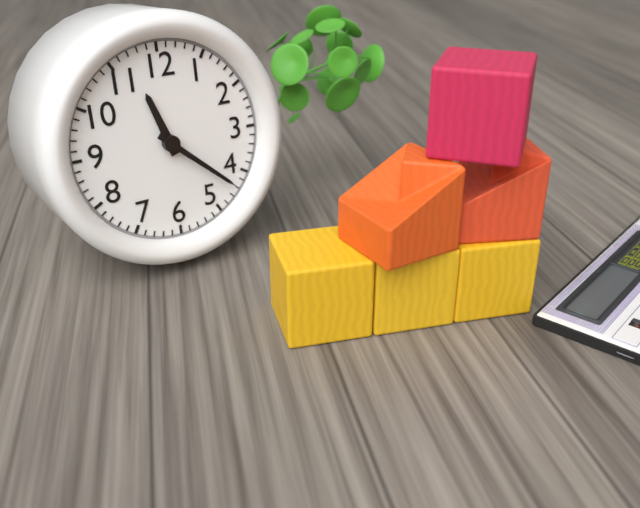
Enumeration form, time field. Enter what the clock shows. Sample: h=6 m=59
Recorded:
h=11 m=22
